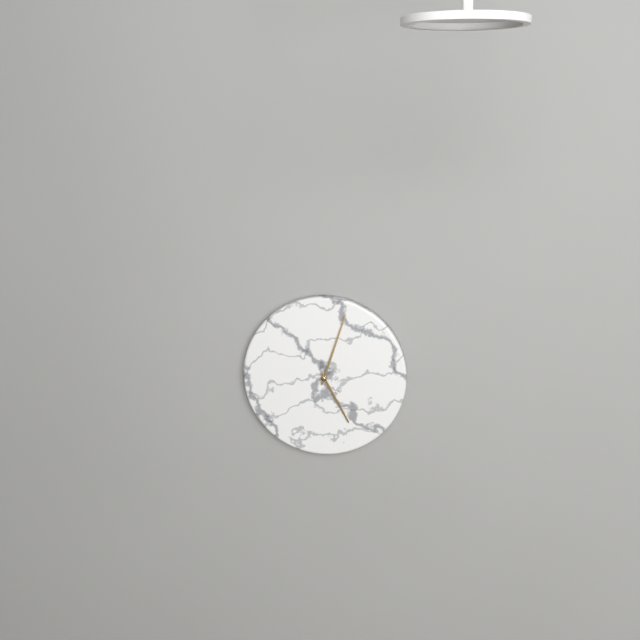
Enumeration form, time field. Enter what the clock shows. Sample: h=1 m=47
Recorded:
h=5 m=3
